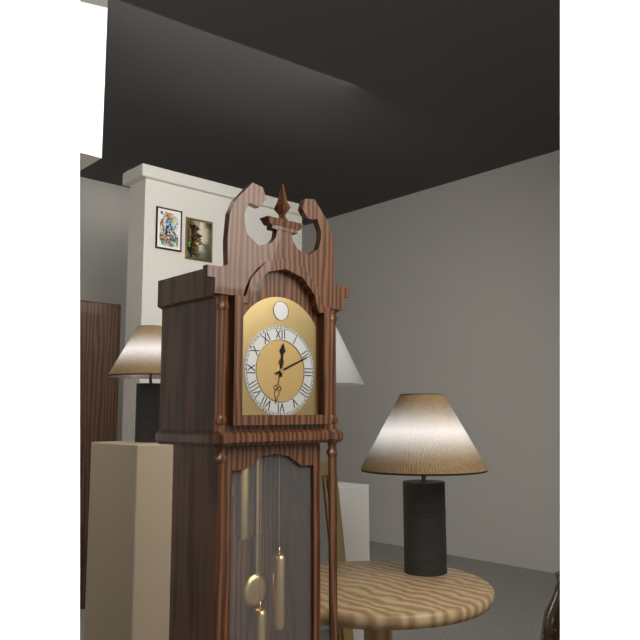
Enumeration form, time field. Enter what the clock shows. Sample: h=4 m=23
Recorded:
h=12 m=11
